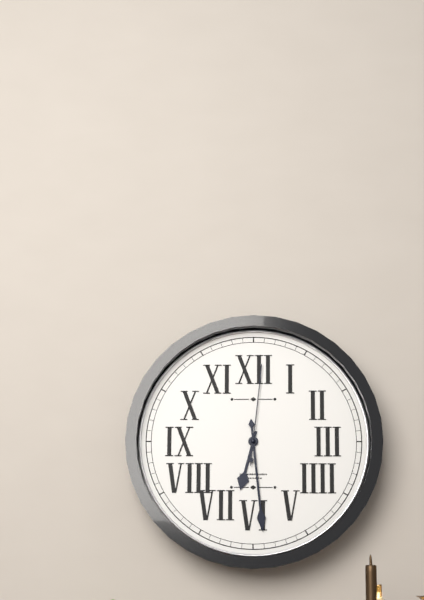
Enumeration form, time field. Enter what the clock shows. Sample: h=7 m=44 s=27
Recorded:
h=6 m=29 s=1
